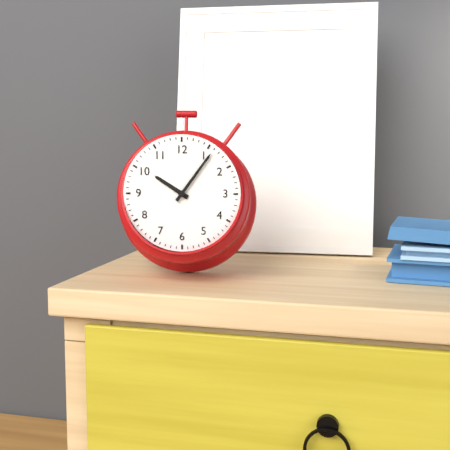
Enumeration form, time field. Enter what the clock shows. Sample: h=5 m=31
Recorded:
h=10 m=6
